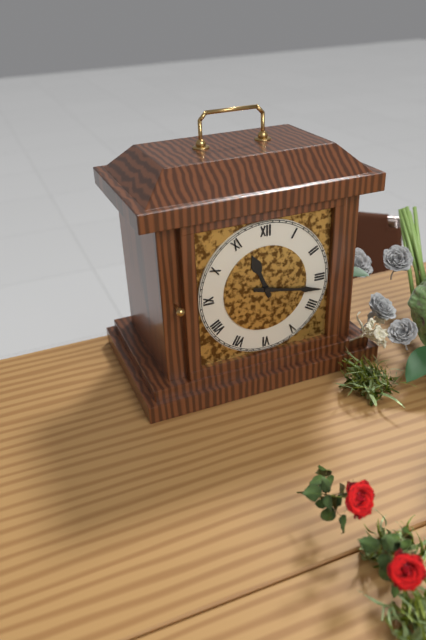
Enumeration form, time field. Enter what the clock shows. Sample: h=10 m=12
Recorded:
h=11 m=17
